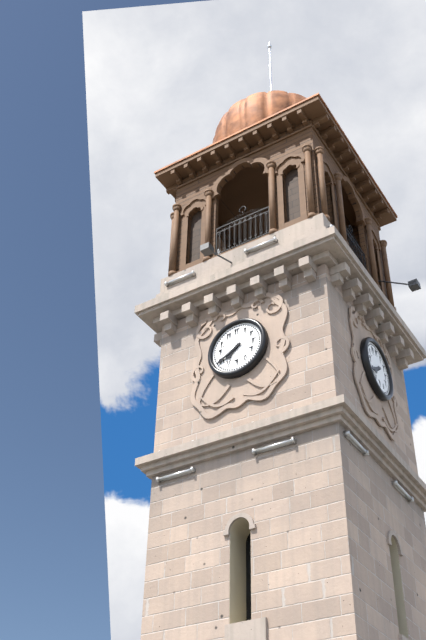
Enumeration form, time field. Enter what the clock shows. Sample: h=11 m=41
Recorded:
h=7 m=40
